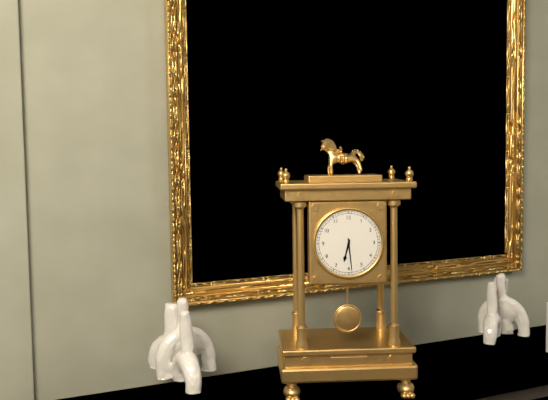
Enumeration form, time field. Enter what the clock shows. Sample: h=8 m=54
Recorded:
h=6 m=29
